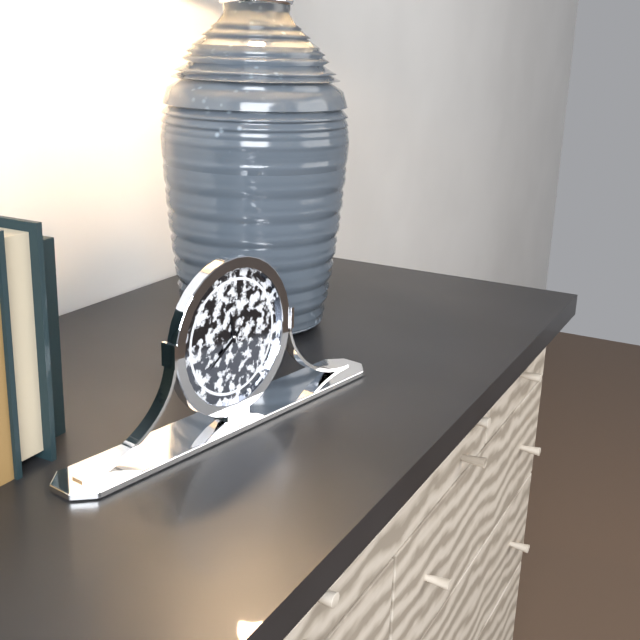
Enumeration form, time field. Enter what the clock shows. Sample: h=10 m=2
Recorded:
h=11 m=39
